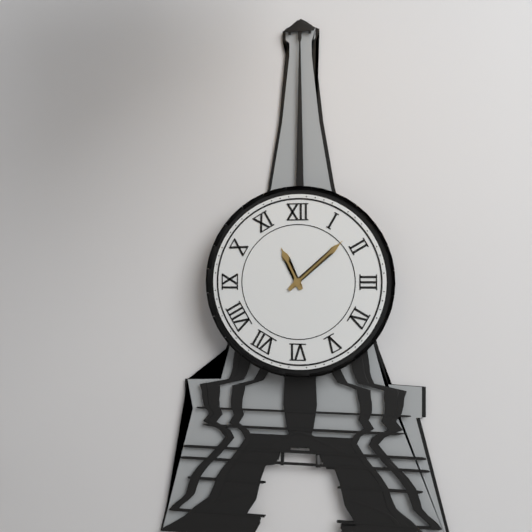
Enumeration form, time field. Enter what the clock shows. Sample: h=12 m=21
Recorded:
h=11 m=8
